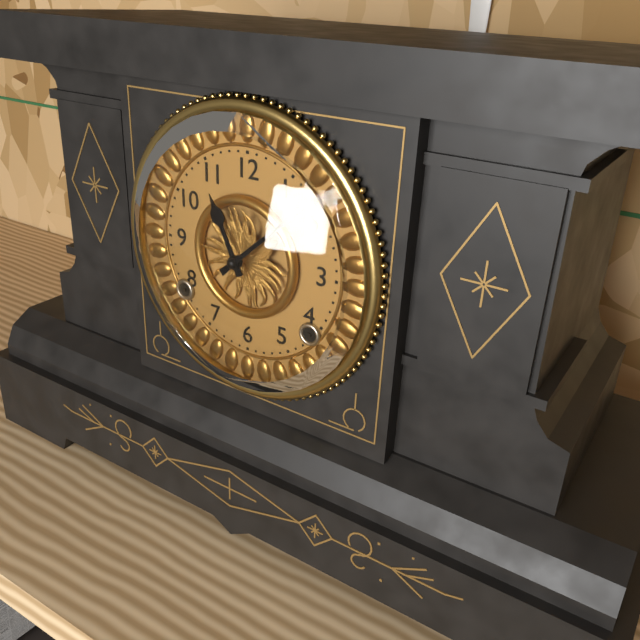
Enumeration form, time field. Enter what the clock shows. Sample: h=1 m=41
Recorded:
h=11 m=8
